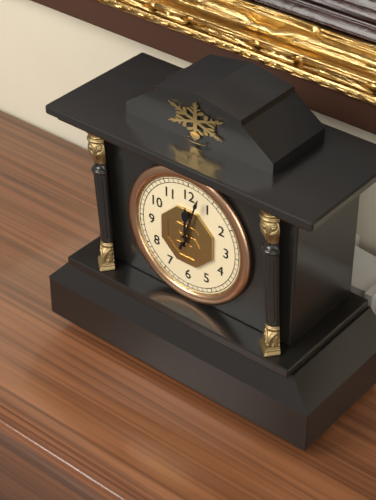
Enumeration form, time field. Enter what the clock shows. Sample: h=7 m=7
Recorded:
h=12 m=3
